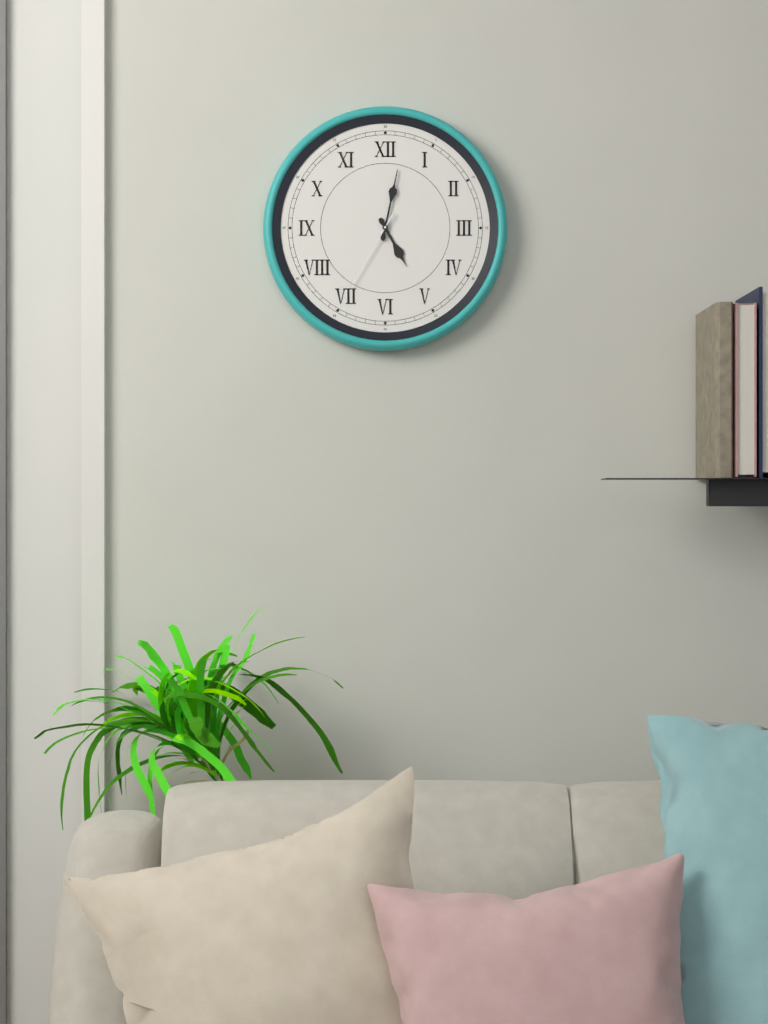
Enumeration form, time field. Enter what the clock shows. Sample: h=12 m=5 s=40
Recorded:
h=5 m=2 s=35
